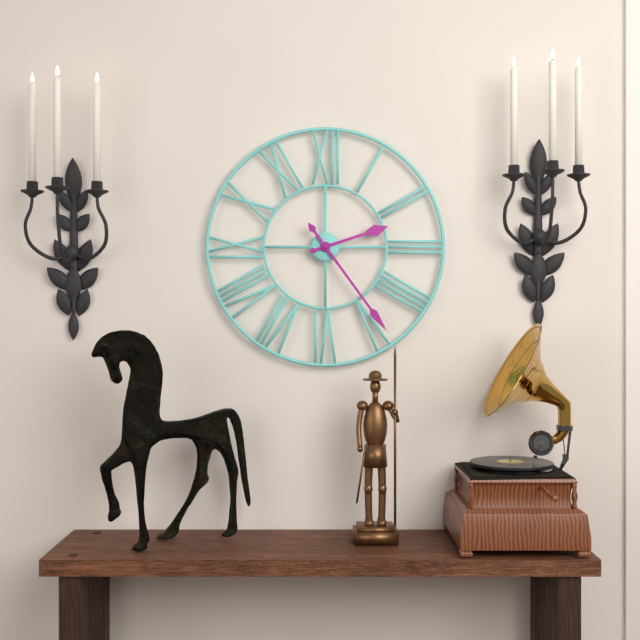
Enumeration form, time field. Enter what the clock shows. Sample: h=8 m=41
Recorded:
h=2 m=24
